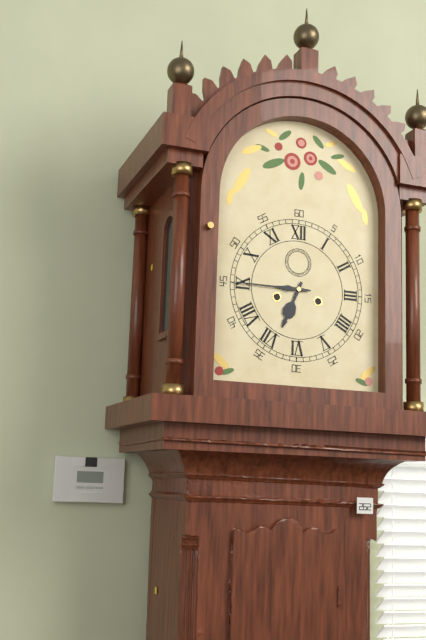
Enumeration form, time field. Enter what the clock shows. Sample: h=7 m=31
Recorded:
h=6 m=45
